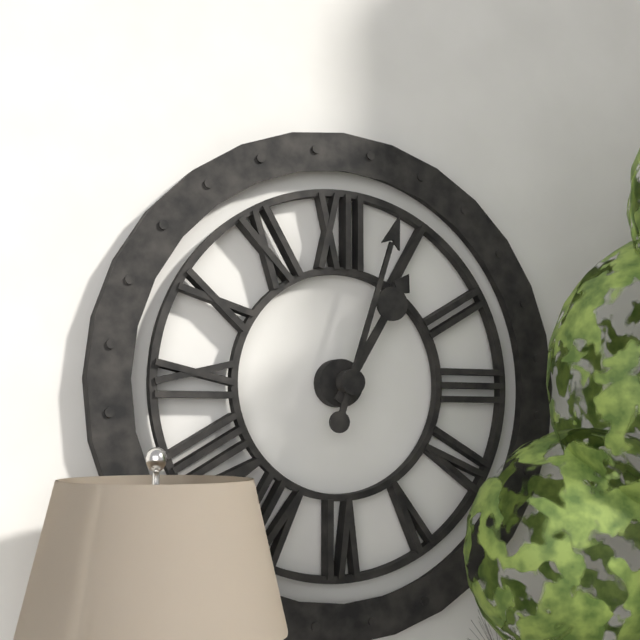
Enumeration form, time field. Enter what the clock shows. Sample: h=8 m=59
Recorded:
h=1 m=3
